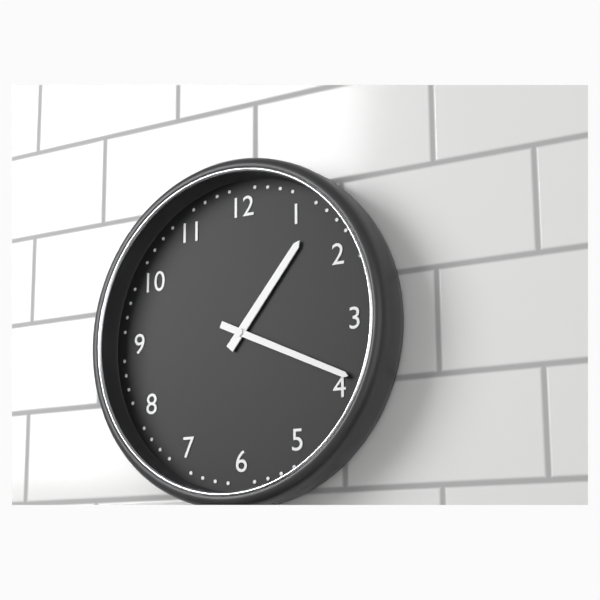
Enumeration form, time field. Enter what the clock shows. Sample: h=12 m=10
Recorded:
h=1 m=19
